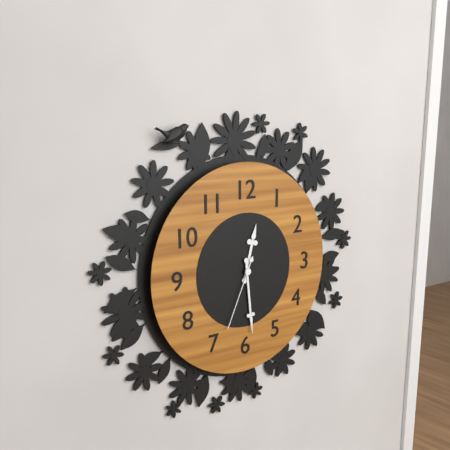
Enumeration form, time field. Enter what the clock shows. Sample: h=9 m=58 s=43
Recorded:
h=12 m=29 s=34
